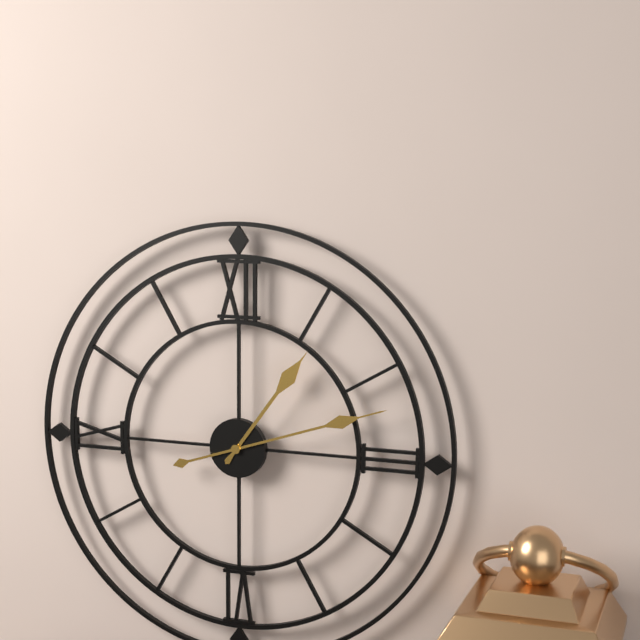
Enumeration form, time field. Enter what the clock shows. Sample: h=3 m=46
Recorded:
h=1 m=12
